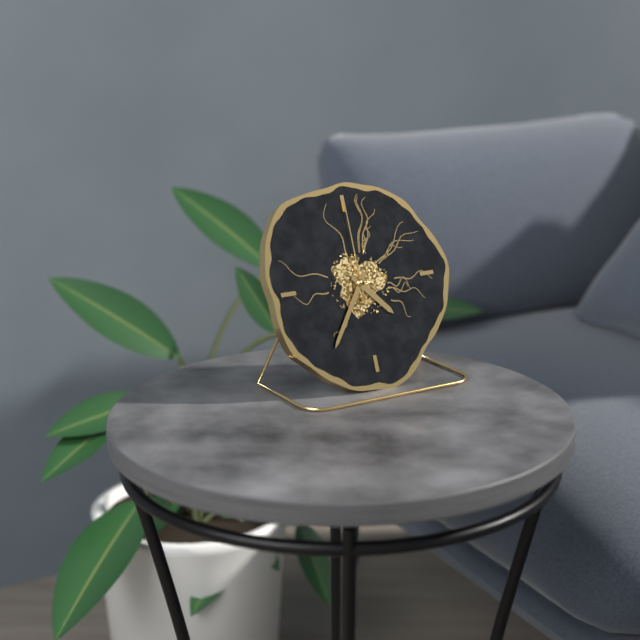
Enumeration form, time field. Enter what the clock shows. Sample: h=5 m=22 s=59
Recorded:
h=4 m=36 s=0
